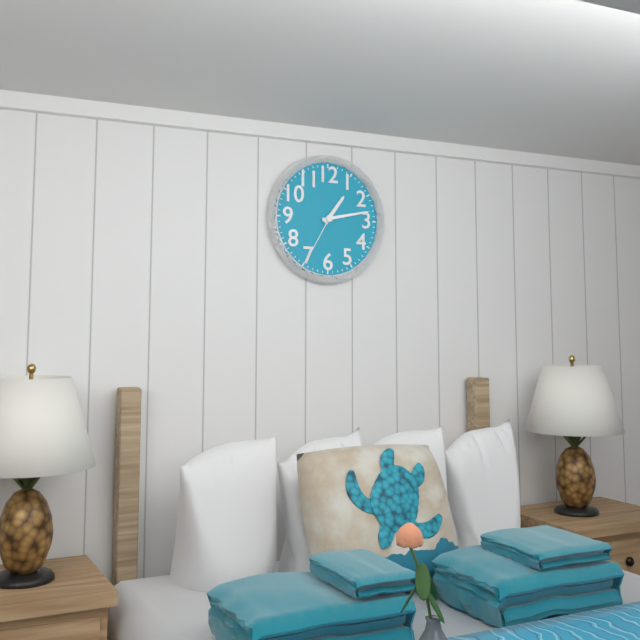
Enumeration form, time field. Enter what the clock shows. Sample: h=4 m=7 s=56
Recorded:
h=1 m=13 s=35
